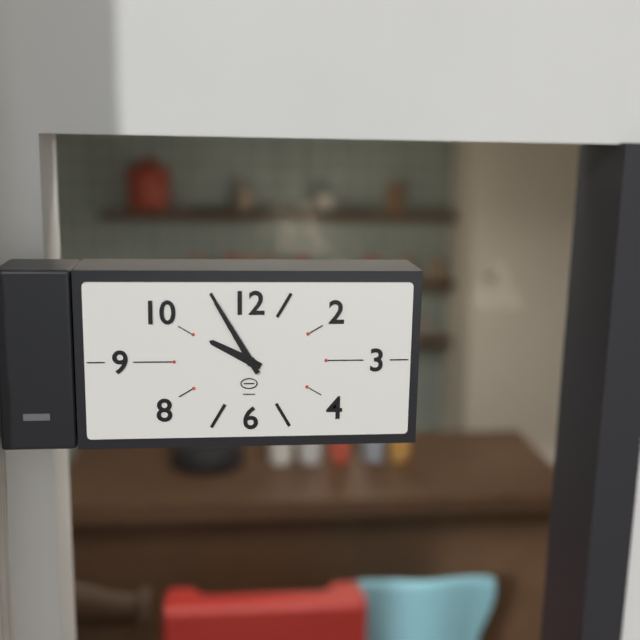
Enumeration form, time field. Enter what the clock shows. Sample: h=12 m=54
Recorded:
h=9 m=55
